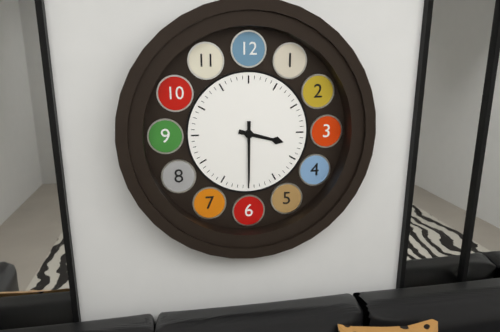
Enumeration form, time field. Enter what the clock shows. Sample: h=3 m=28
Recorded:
h=3 m=30
